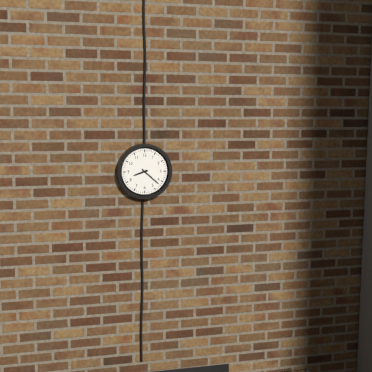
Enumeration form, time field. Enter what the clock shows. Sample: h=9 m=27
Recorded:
h=8 m=22
